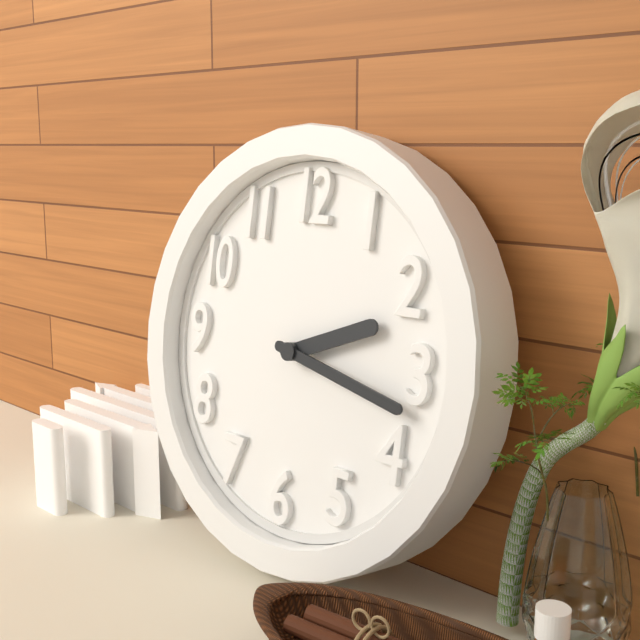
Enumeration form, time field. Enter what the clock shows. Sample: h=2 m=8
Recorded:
h=2 m=17
